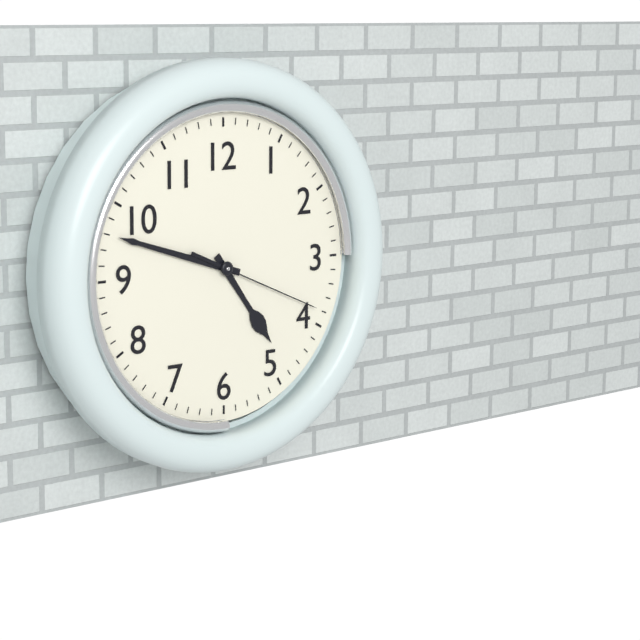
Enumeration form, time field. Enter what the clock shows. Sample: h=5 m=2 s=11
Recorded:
h=4 m=48 s=19
